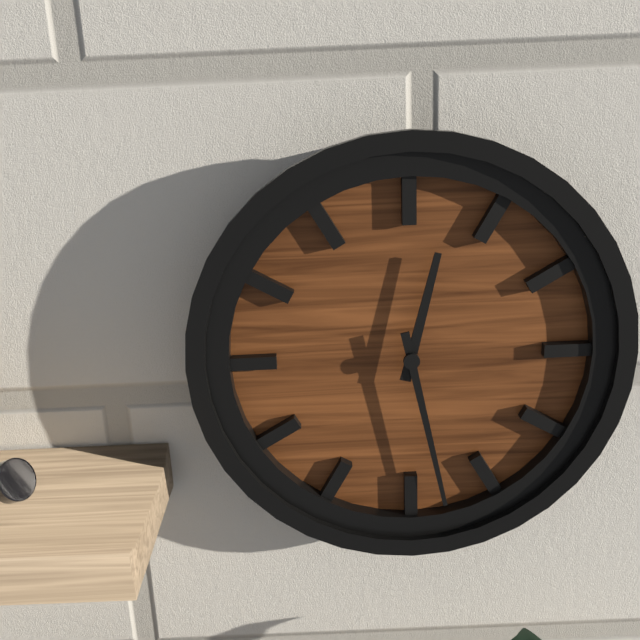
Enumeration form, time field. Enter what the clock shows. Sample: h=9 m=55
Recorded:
h=12 m=28
